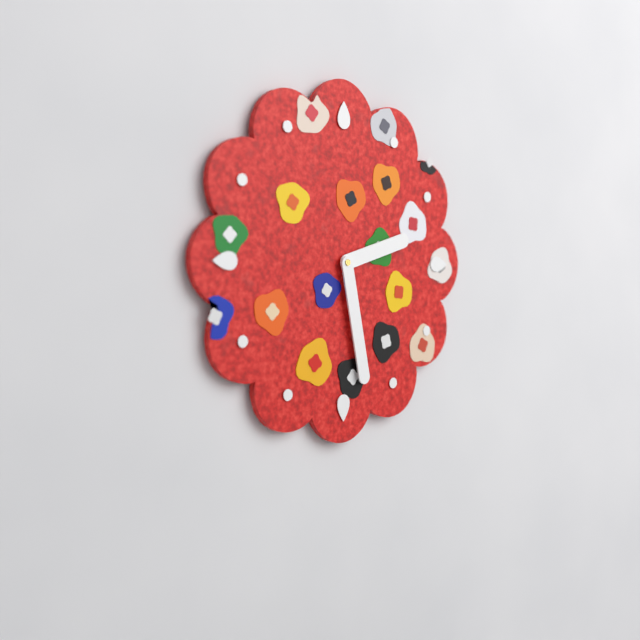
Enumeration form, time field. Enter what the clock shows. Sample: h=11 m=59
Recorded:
h=2 m=28
